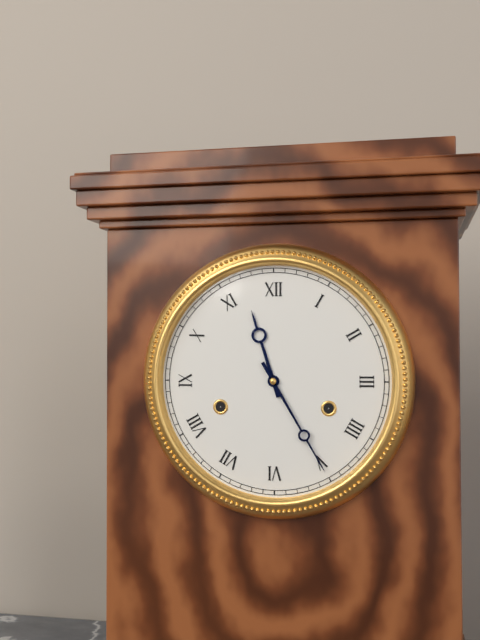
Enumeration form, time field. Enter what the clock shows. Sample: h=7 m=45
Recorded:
h=11 m=25
